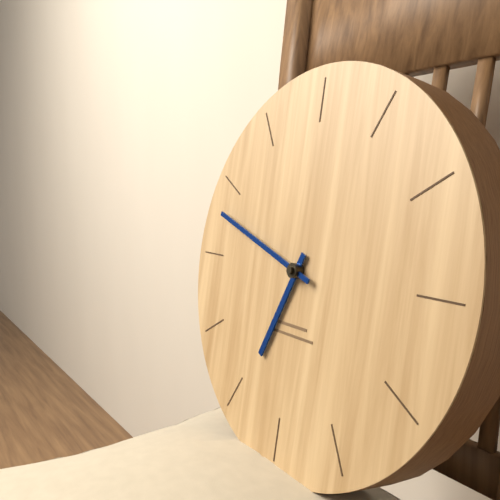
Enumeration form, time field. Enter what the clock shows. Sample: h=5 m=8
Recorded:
h=6 m=48
